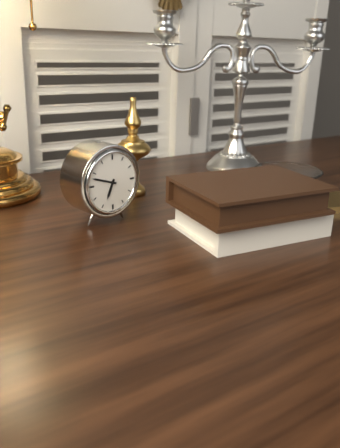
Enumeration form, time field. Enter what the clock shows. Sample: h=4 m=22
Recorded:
h=6 m=48
